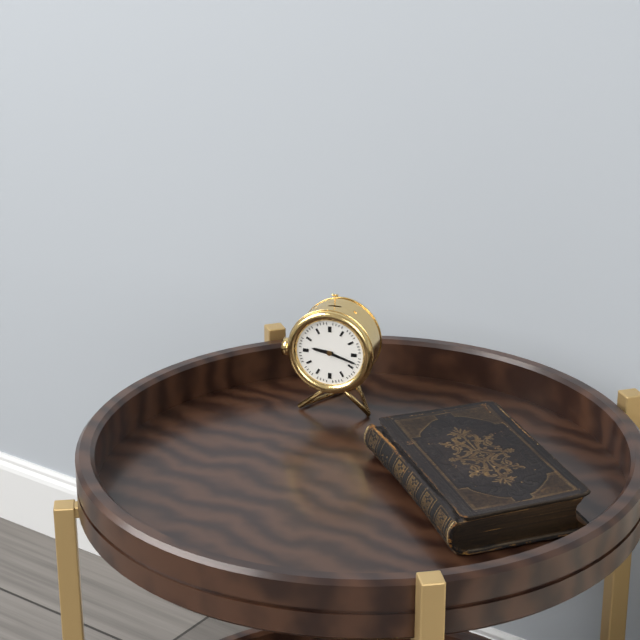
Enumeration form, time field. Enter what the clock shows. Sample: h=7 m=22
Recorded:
h=9 m=18
